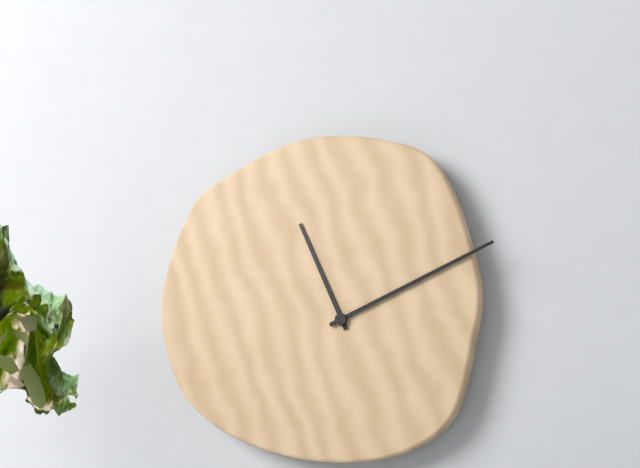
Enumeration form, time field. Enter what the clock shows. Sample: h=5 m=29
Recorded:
h=11 m=11
